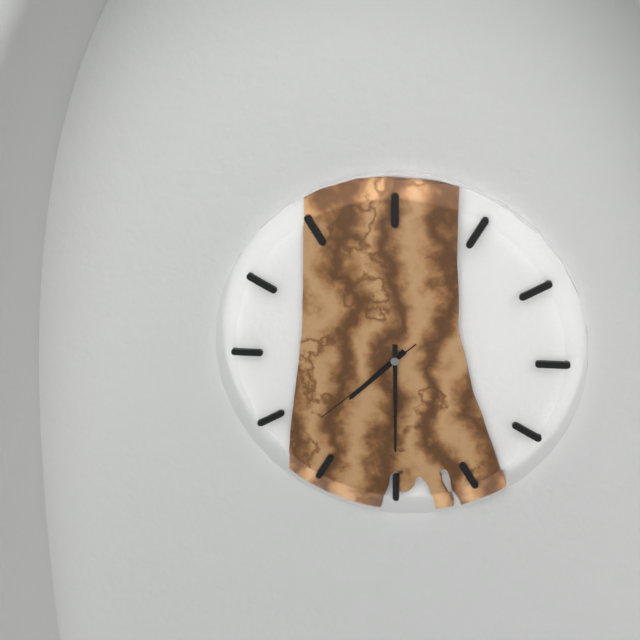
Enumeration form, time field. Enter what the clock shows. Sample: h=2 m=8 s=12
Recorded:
h=7 m=30 s=38
